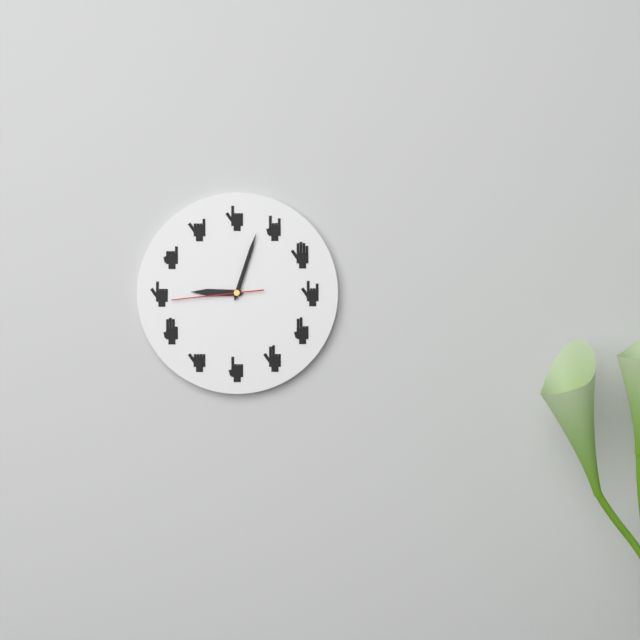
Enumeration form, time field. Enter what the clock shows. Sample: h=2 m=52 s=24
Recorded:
h=9 m=3 s=44
